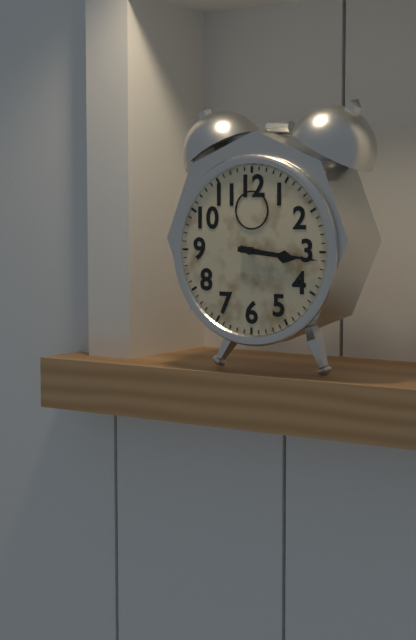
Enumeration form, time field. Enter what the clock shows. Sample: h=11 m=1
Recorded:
h=3 m=16
